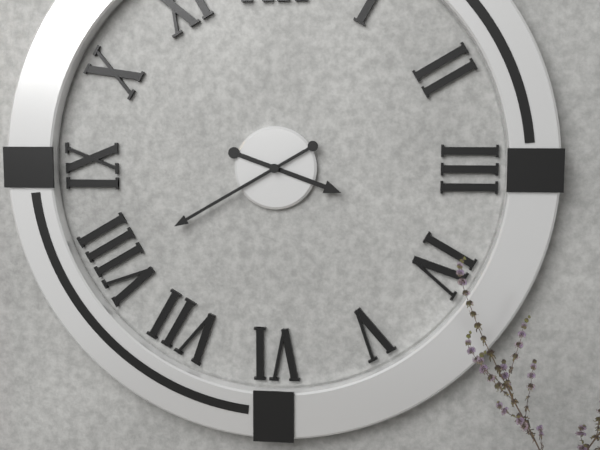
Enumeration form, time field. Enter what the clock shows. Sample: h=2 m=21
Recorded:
h=3 m=40
